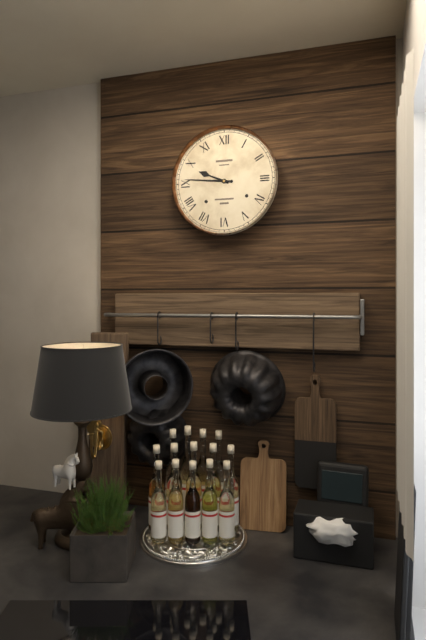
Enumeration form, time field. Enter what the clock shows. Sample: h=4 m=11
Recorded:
h=9 m=46
